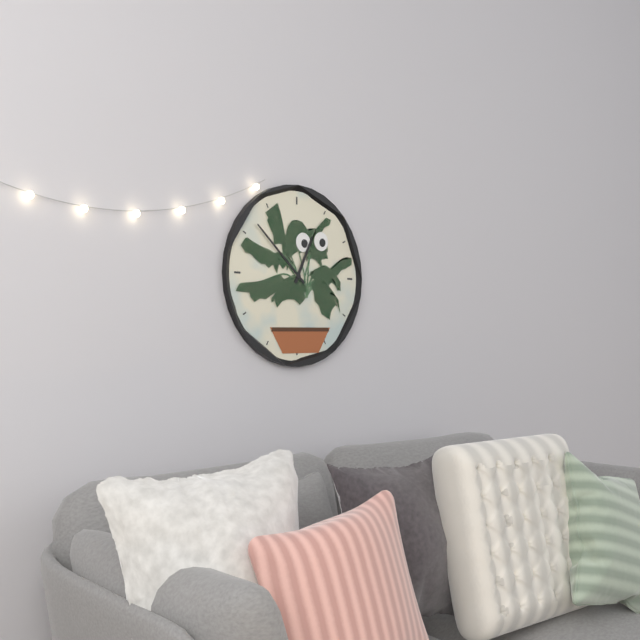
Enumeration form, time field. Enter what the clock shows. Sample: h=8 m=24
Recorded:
h=12 m=52
